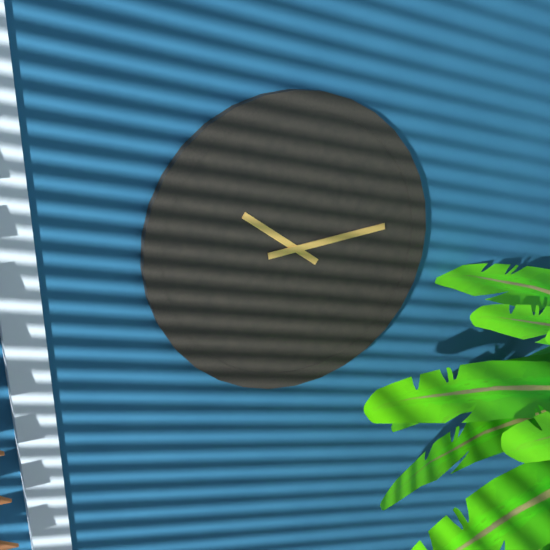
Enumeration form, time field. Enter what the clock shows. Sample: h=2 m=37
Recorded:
h=10 m=14
